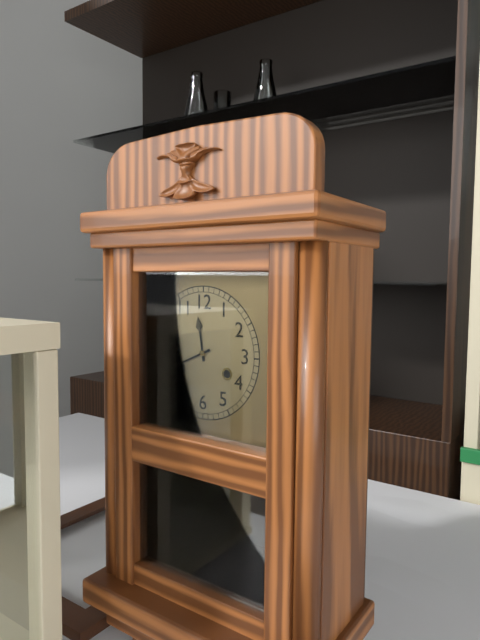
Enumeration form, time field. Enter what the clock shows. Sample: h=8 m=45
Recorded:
h=11 m=41
